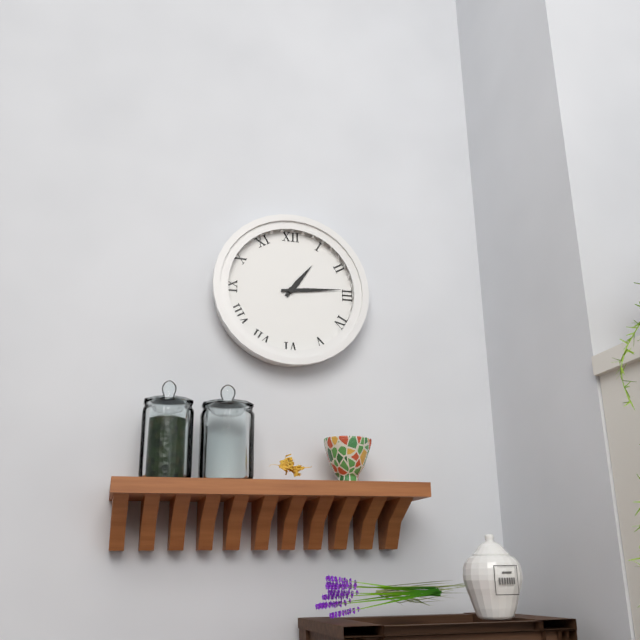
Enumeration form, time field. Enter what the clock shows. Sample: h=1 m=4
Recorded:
h=1 m=14
